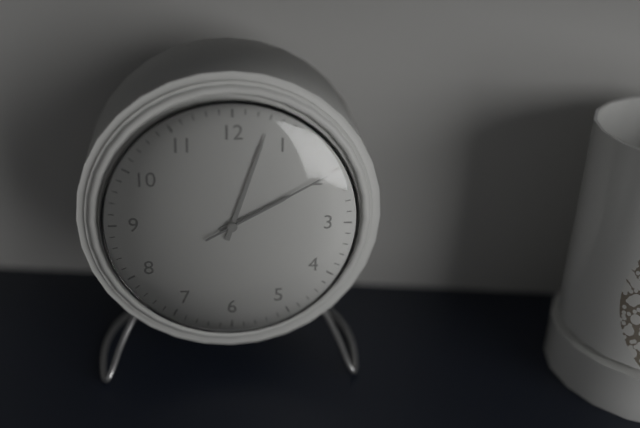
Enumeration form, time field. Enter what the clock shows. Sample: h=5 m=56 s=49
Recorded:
h=2 m=3 s=10
